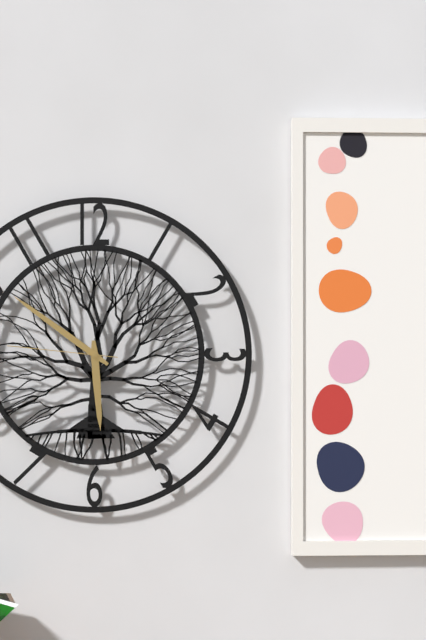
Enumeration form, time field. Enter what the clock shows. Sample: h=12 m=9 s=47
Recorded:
h=5 m=51 s=46
